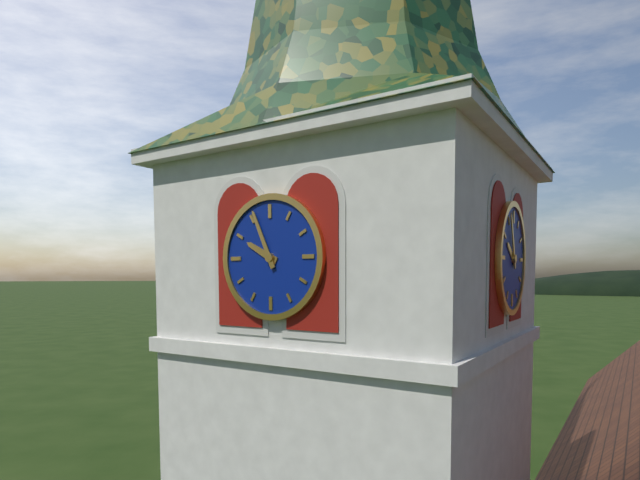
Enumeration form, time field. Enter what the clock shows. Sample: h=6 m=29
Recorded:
h=9 m=56
